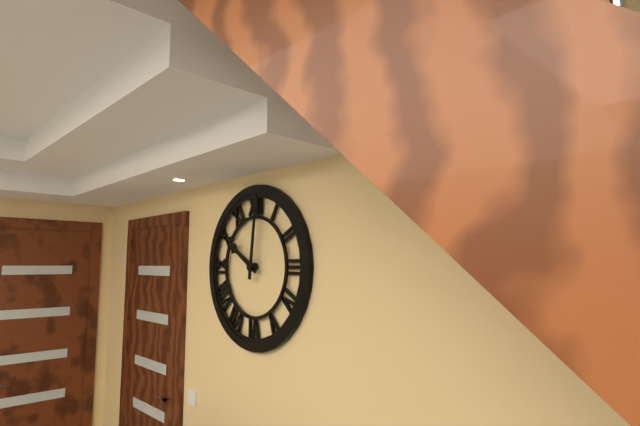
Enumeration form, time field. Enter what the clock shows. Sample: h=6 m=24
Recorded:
h=10 m=1
